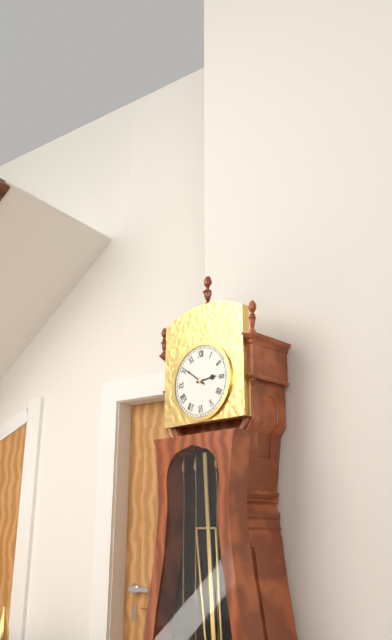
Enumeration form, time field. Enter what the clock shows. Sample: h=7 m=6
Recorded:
h=2 m=51
